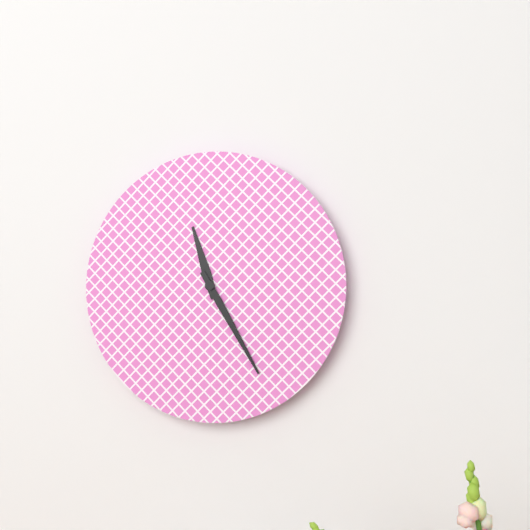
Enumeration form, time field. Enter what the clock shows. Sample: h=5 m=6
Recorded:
h=11 m=25
